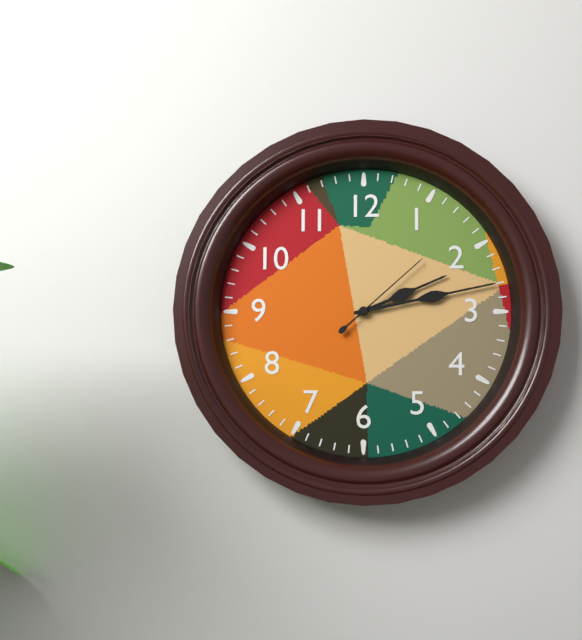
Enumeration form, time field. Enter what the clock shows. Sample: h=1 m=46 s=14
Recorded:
h=2 m=13 s=8
